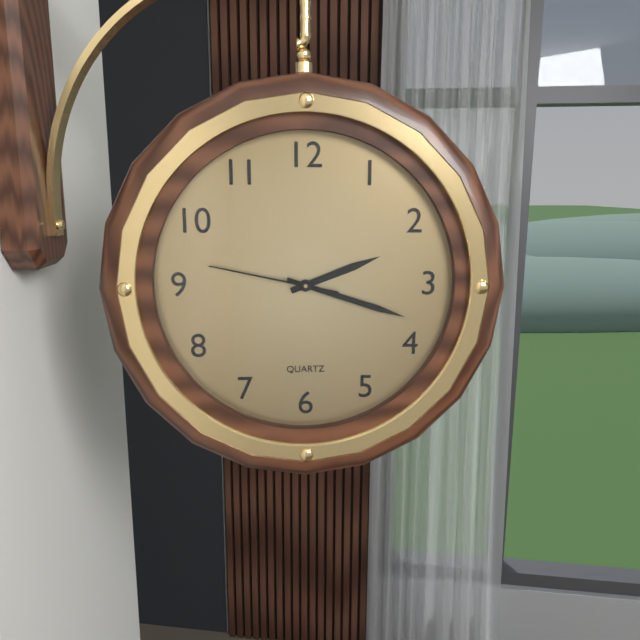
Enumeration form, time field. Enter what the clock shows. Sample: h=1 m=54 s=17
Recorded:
h=2 m=18 s=47
